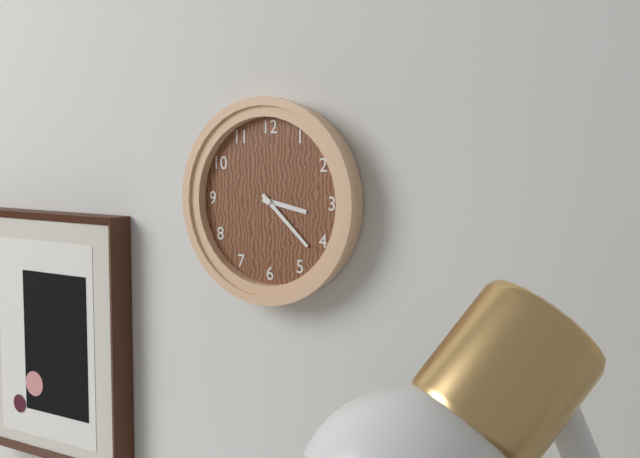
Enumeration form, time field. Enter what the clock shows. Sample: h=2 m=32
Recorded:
h=3 m=22
